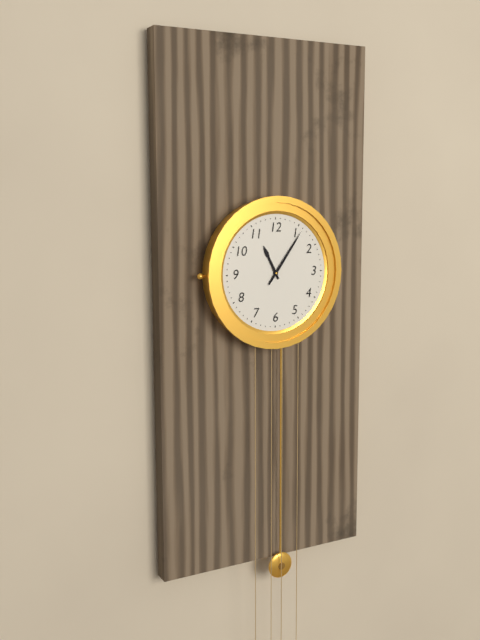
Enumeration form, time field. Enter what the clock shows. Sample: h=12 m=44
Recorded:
h=11 m=6
